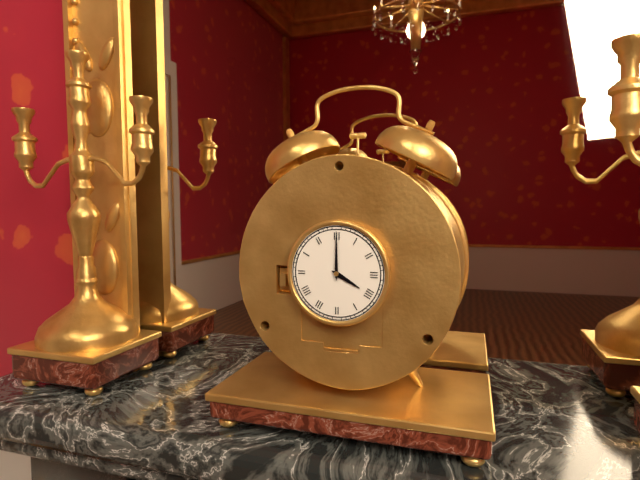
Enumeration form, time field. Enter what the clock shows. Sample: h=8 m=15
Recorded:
h=4 m=0
